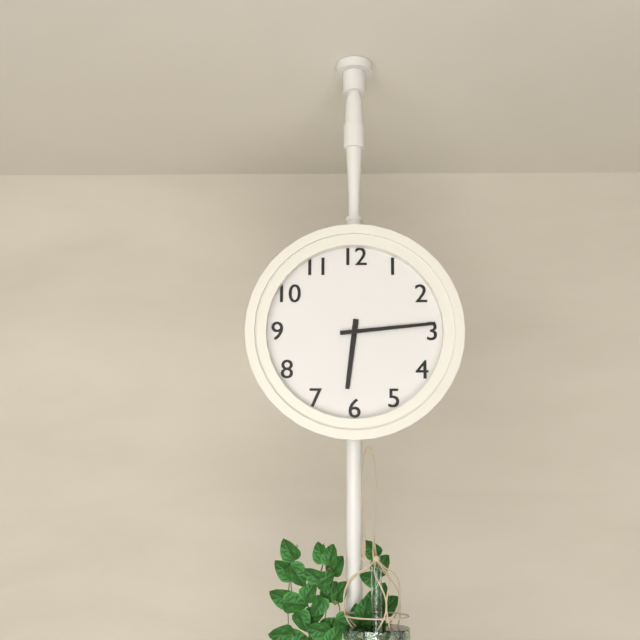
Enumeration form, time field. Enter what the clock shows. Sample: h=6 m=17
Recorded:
h=6 m=14
